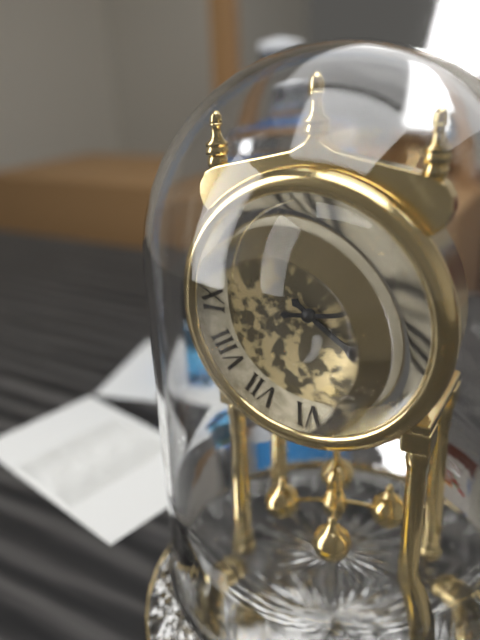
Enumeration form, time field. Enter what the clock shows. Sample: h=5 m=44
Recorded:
h=4 m=14
